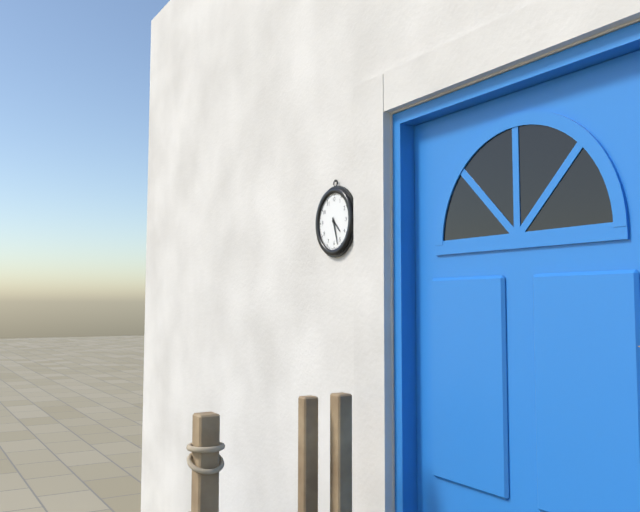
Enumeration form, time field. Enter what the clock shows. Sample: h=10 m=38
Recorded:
h=4 m=27
